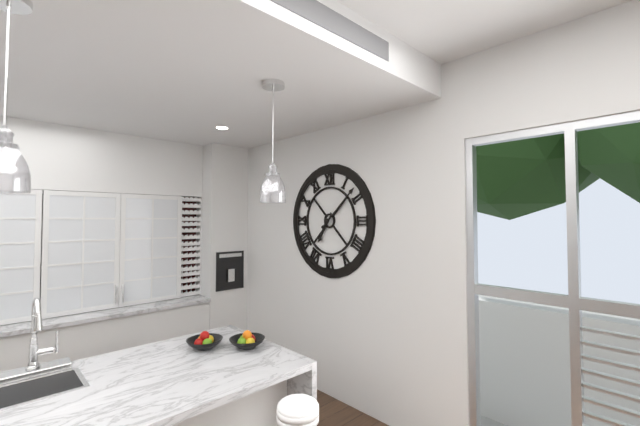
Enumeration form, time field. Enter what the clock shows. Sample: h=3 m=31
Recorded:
h=7 m=8
